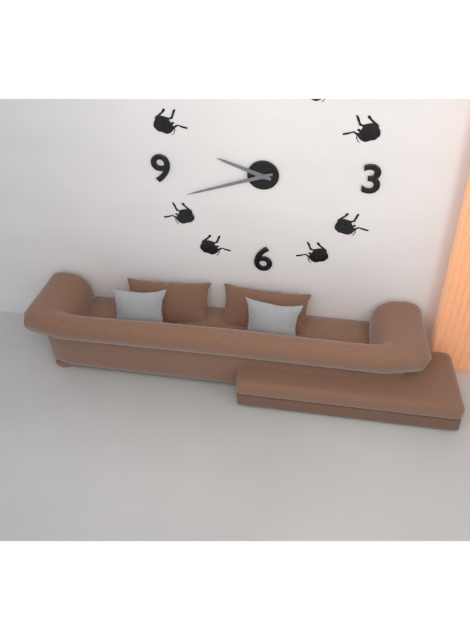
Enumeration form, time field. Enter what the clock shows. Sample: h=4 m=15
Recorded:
h=9 m=42
